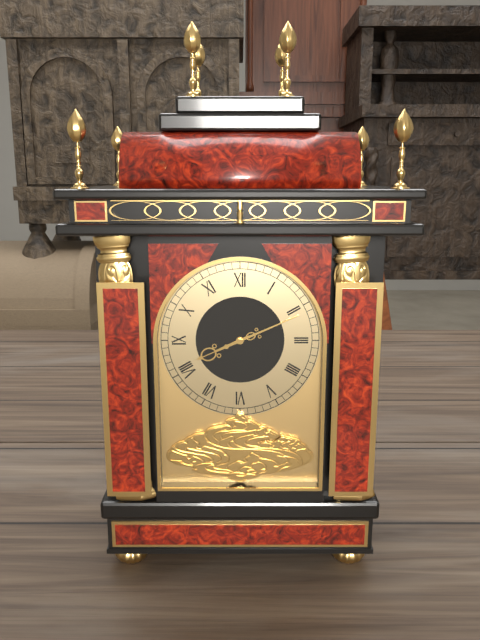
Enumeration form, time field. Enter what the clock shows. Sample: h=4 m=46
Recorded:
h=8 m=11
